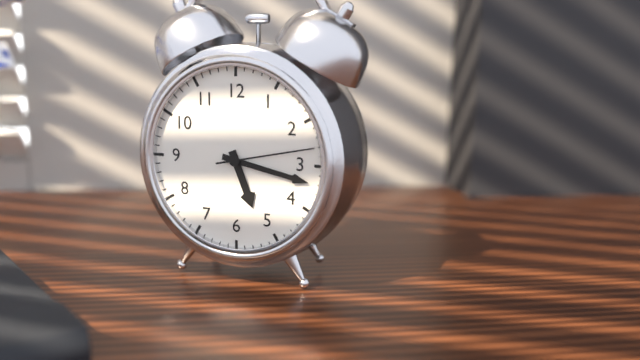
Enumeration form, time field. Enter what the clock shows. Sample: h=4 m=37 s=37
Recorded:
h=5 m=17 s=13
